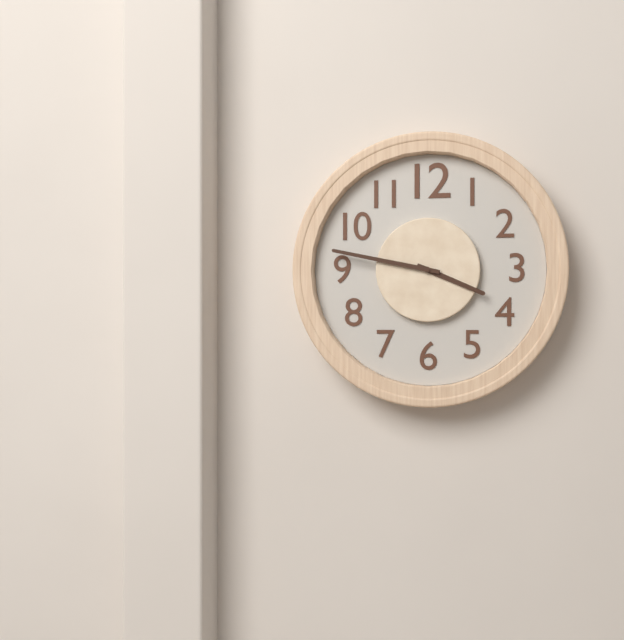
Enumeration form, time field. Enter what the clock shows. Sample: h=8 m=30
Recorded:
h=3 m=47
